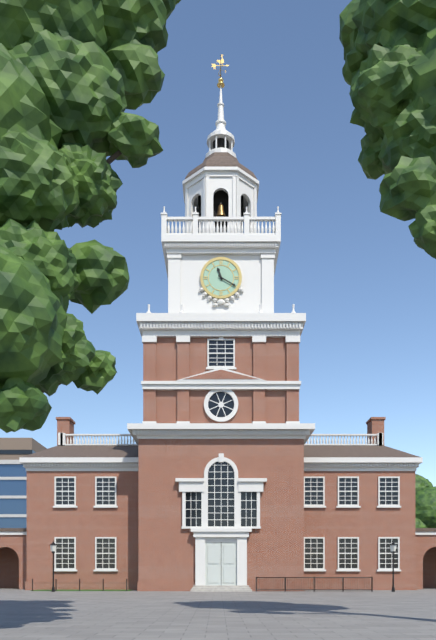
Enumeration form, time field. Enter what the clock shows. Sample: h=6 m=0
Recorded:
h=11 m=20
